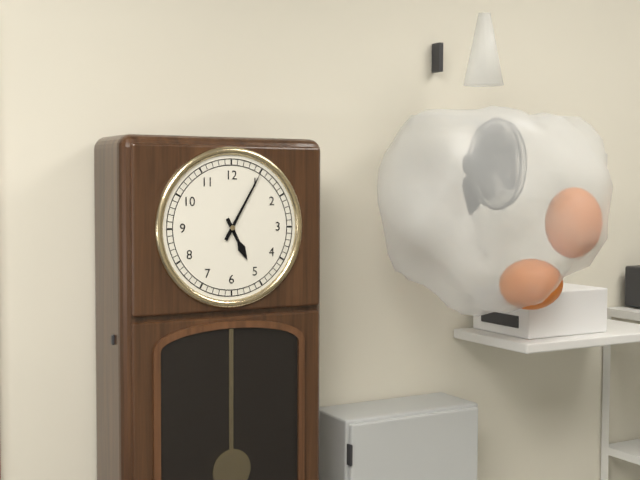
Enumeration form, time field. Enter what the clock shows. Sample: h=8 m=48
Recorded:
h=5 m=5
